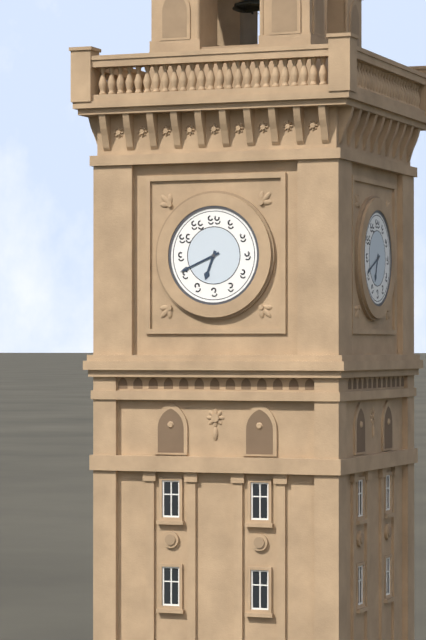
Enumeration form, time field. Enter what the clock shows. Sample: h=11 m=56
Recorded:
h=6 m=41
